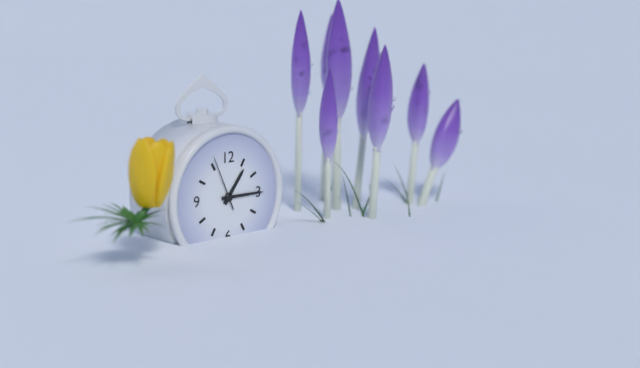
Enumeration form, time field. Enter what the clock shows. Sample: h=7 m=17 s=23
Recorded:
h=1 m=15 s=56
